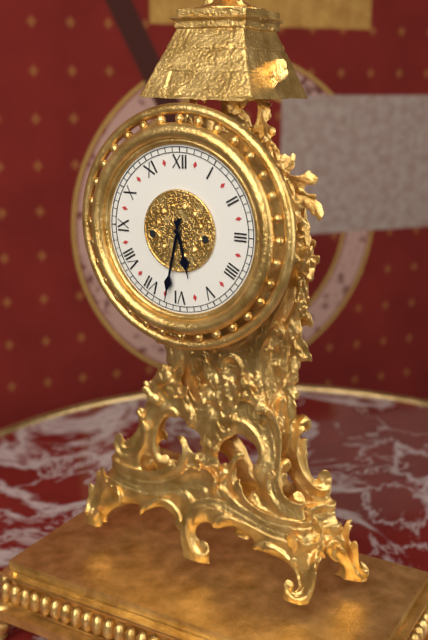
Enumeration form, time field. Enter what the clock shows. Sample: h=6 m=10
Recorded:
h=5 m=32
